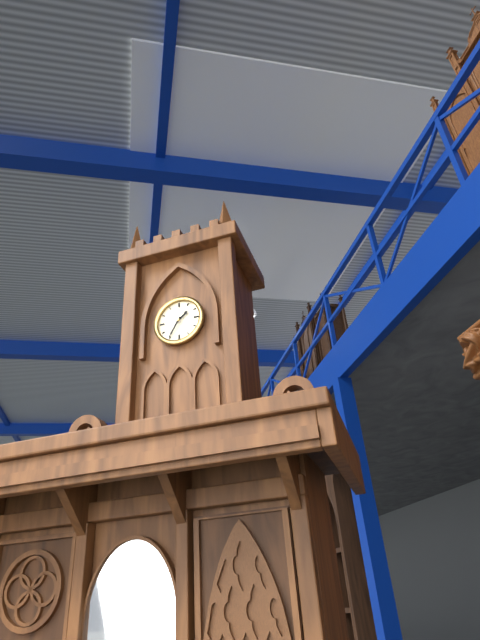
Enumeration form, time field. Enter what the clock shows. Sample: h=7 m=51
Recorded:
h=1 m=35
